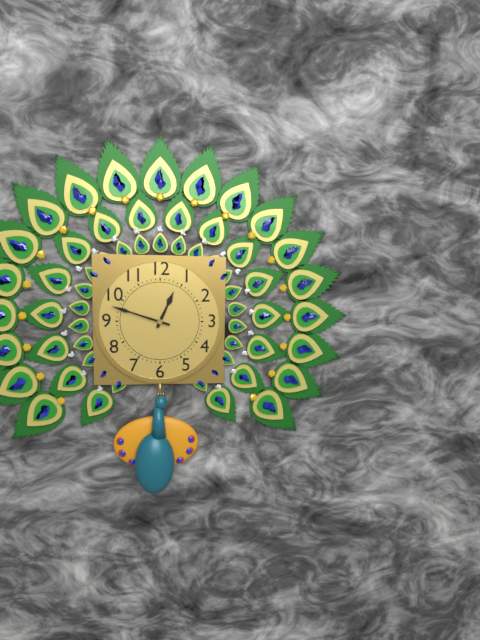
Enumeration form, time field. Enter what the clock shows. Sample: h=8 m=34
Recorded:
h=12 m=48
